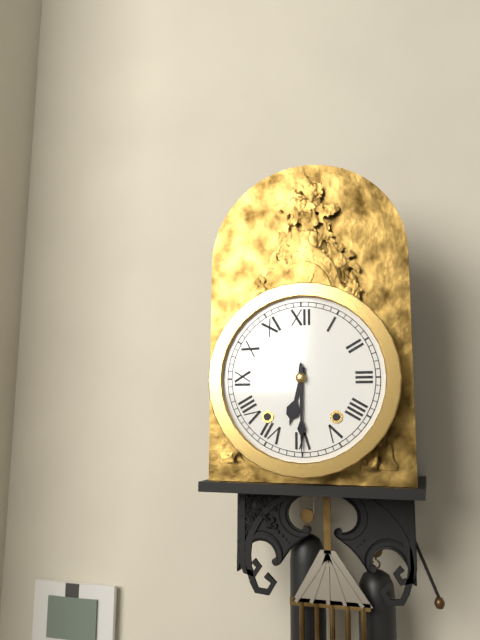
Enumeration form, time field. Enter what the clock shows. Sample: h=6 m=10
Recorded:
h=6 m=30
